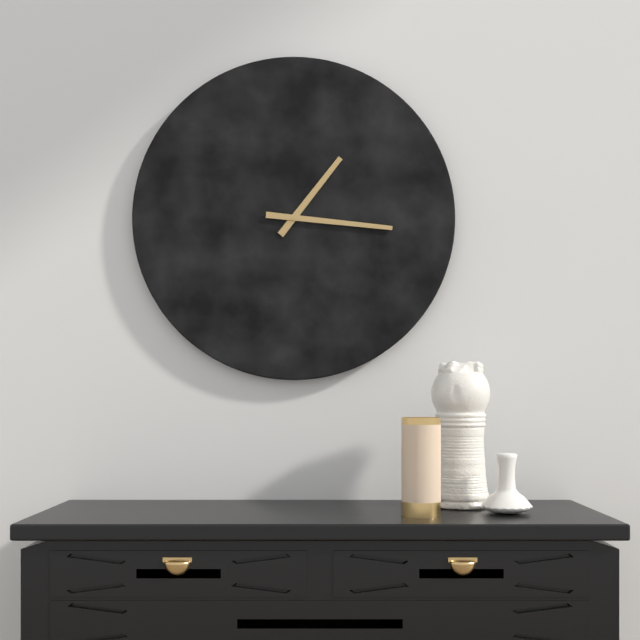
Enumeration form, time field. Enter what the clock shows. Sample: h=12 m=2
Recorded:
h=1 m=16
